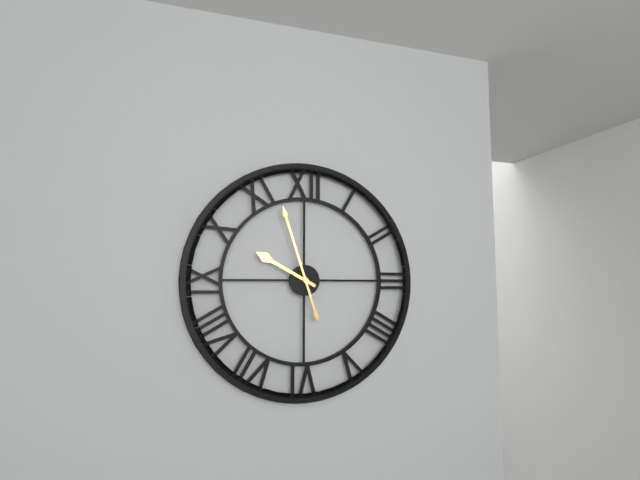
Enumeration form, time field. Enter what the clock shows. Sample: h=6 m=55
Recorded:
h=9 m=57
